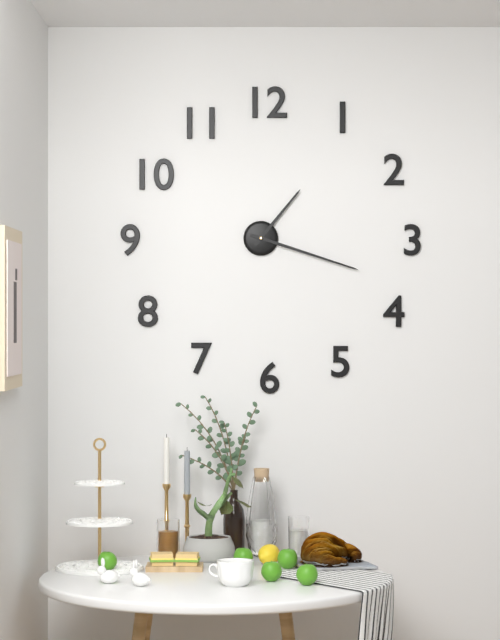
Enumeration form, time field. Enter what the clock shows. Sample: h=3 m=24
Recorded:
h=1 m=18
